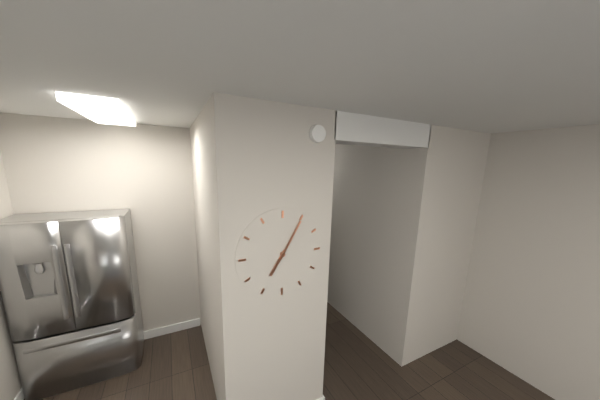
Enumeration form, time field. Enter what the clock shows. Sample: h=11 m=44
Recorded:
h=7 m=5
